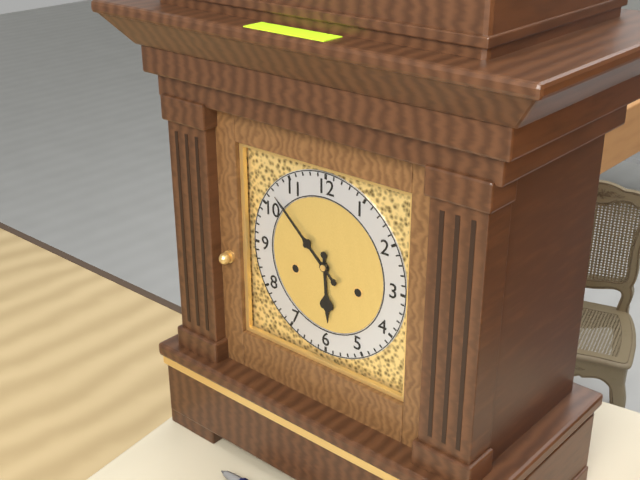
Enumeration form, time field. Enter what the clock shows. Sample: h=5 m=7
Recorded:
h=5 m=52
